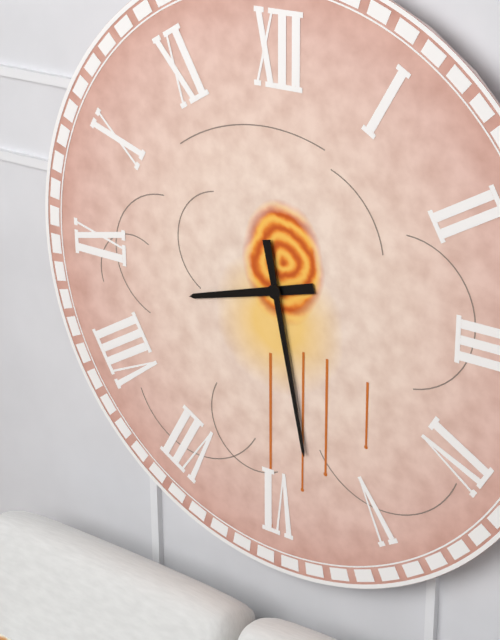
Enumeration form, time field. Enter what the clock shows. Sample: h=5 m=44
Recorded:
h=8 m=28
